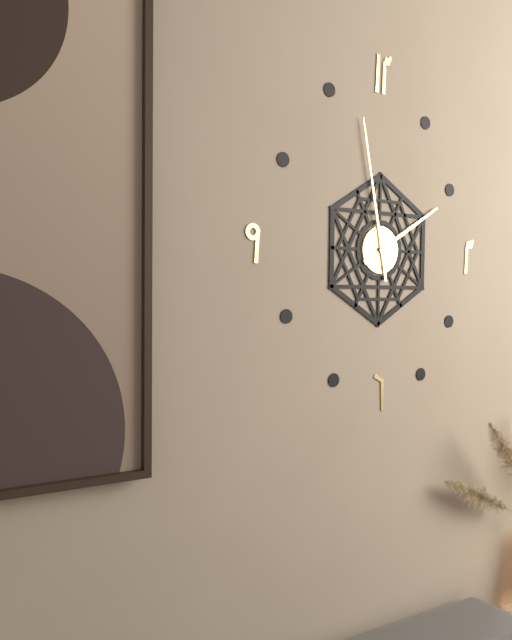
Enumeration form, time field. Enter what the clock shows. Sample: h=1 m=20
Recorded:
h=1 m=58
